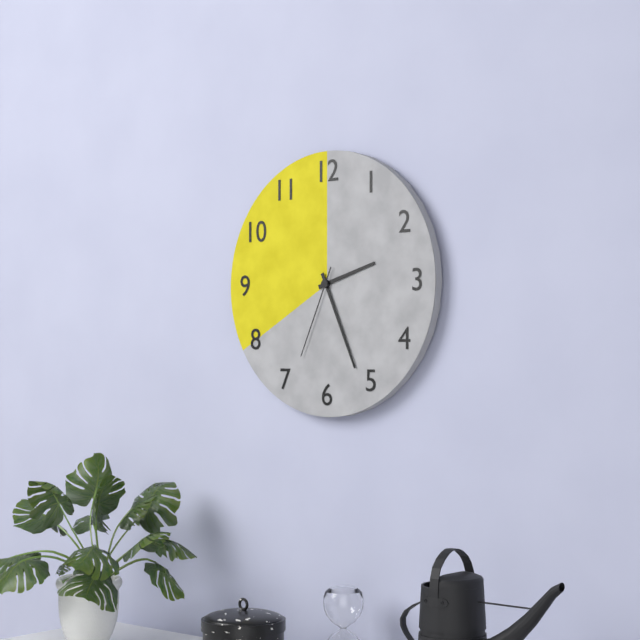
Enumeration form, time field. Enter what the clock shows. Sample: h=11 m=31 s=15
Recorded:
h=2 m=26 s=34
